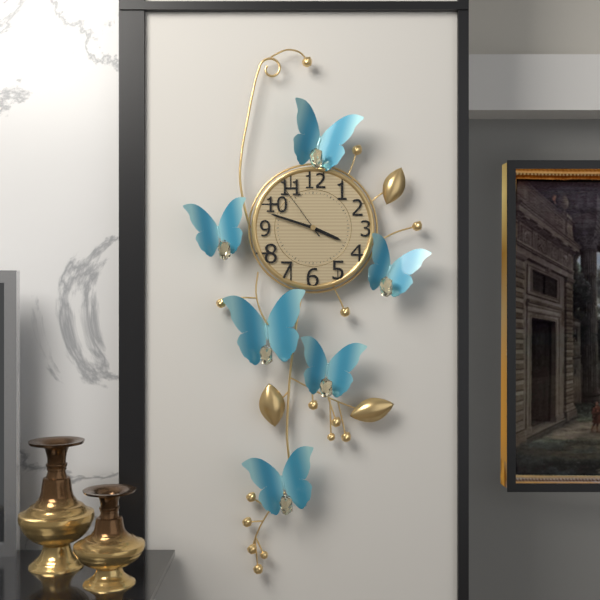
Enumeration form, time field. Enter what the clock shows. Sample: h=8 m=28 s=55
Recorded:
h=3 m=48 s=54
